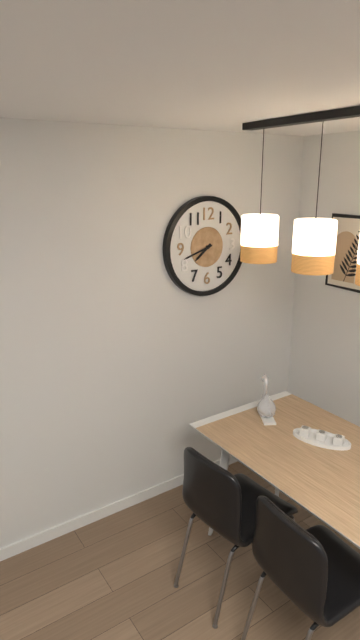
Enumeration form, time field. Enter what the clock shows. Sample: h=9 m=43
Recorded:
h=7 m=42
